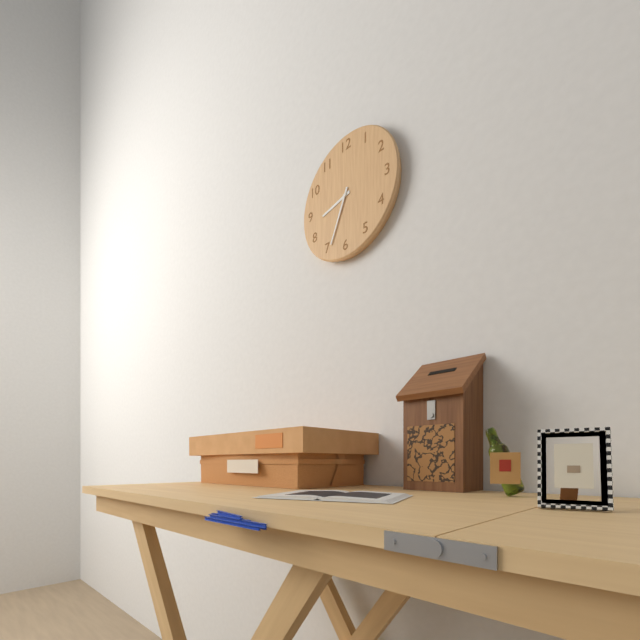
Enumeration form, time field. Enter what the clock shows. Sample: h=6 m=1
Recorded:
h=8 m=34
